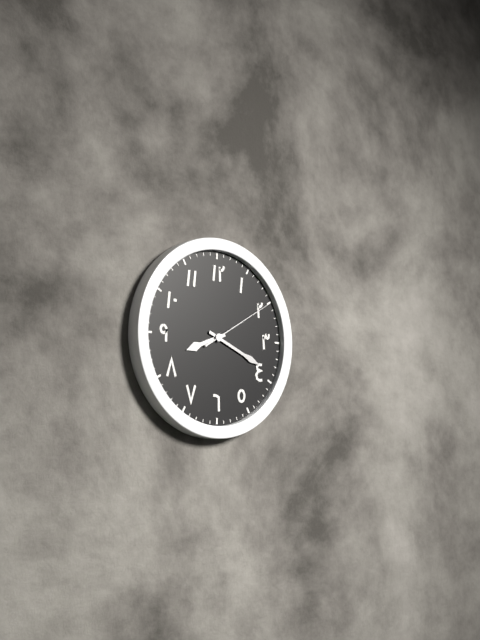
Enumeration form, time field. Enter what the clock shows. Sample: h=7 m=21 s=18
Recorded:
h=8 m=19 s=10
